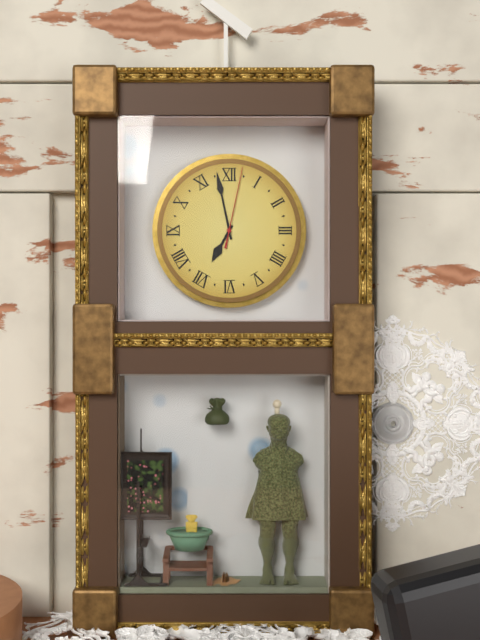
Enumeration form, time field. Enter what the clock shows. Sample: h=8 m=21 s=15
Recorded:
h=6 m=58 s=2
